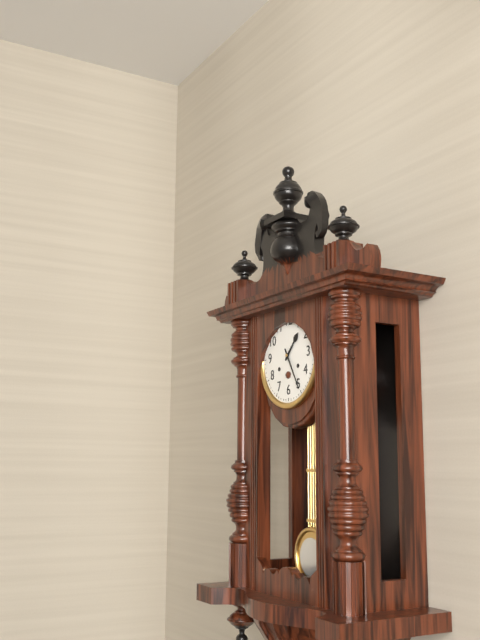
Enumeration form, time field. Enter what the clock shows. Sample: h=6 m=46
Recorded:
h=1 m=25
